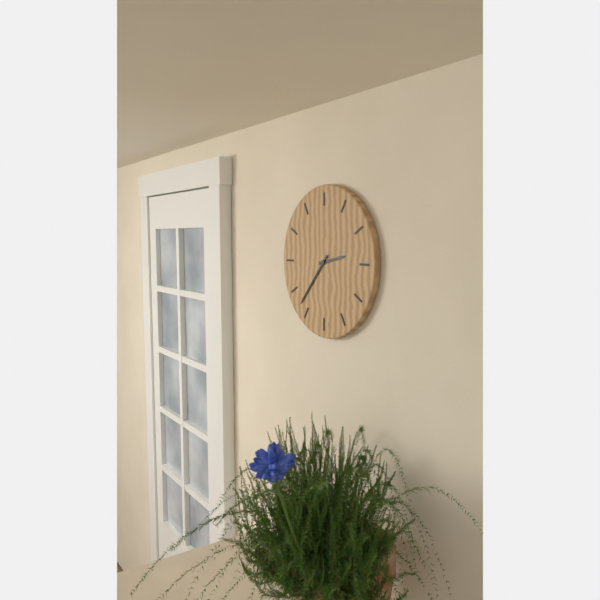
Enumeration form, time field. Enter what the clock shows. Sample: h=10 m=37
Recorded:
h=2 m=37
